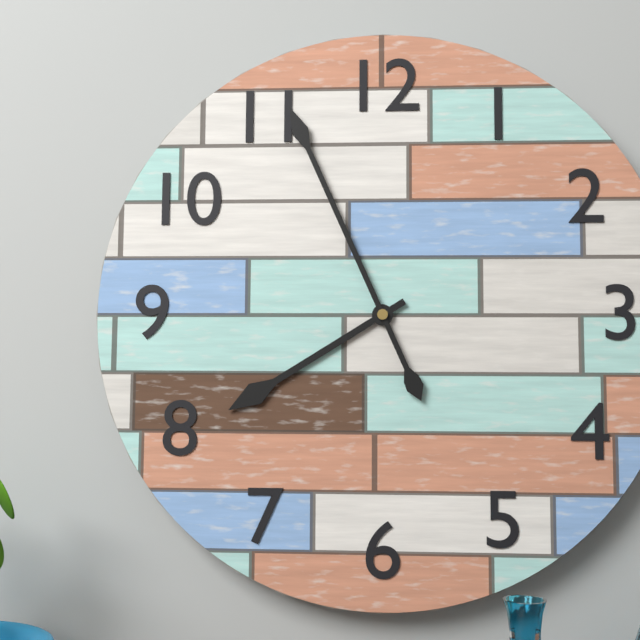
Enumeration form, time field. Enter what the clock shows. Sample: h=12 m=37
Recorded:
h=7 m=56
